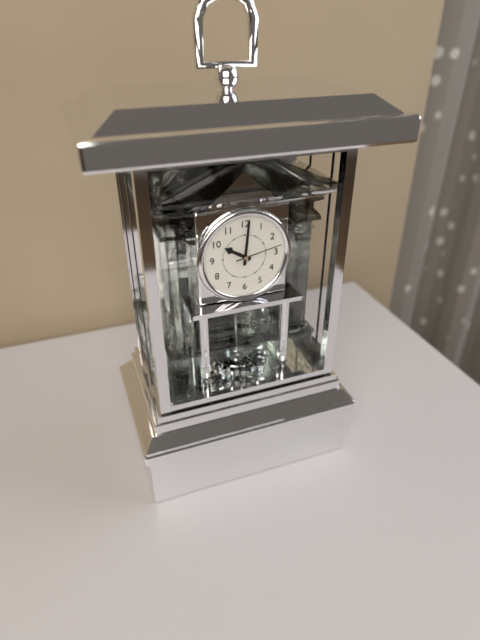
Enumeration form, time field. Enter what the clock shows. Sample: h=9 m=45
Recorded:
h=10 m=1
